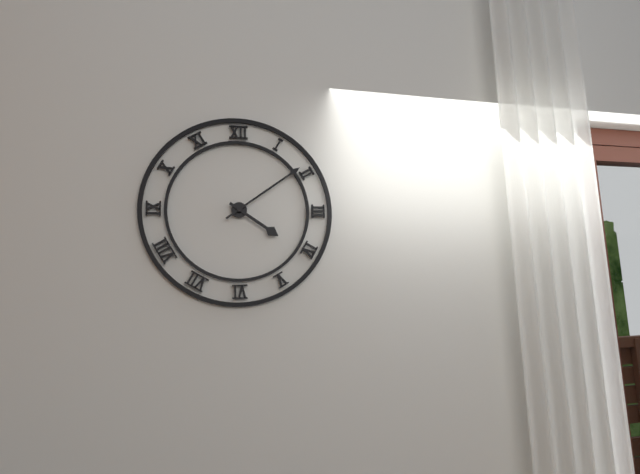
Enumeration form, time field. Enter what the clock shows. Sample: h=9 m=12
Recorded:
h=4 m=9
